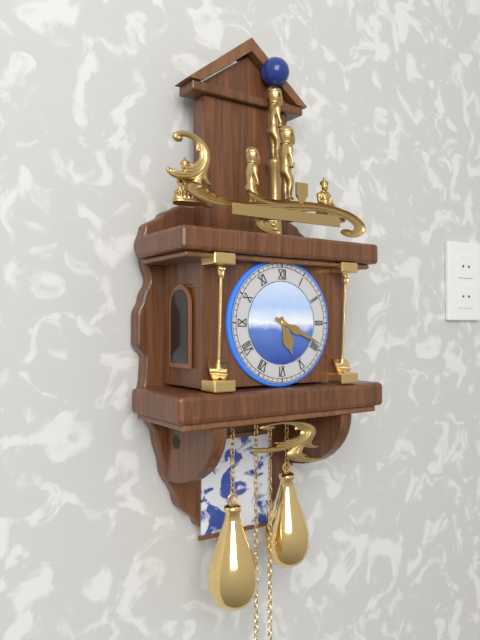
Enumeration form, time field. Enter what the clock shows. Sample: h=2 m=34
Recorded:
h=5 m=19
